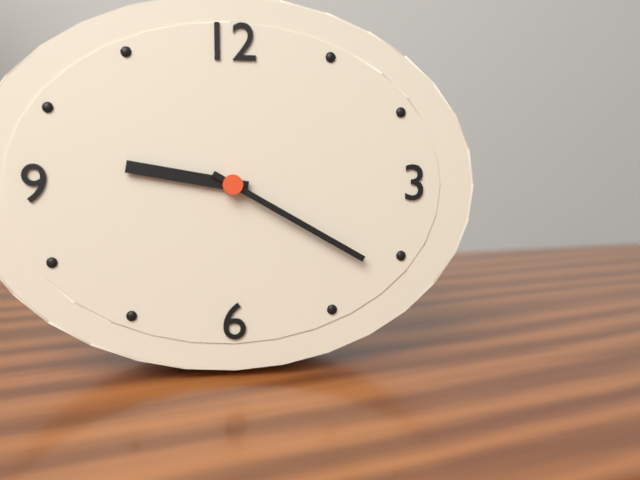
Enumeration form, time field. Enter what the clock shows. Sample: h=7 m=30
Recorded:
h=9 m=20
